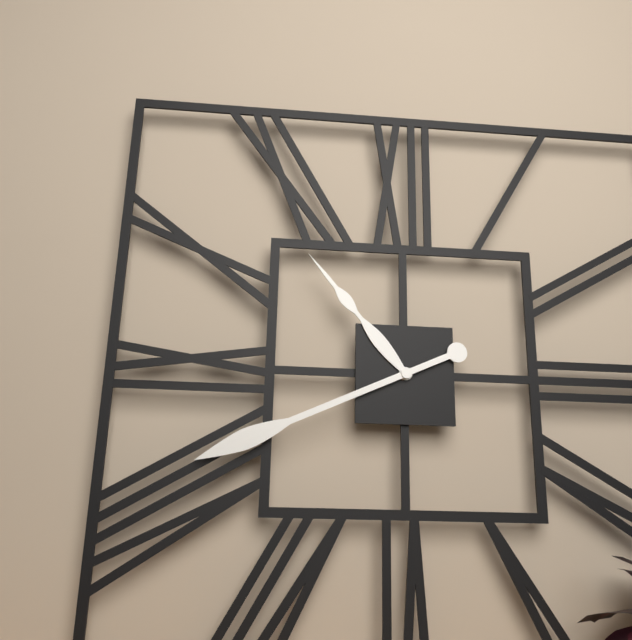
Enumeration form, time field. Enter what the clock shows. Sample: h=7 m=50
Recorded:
h=10 m=41
